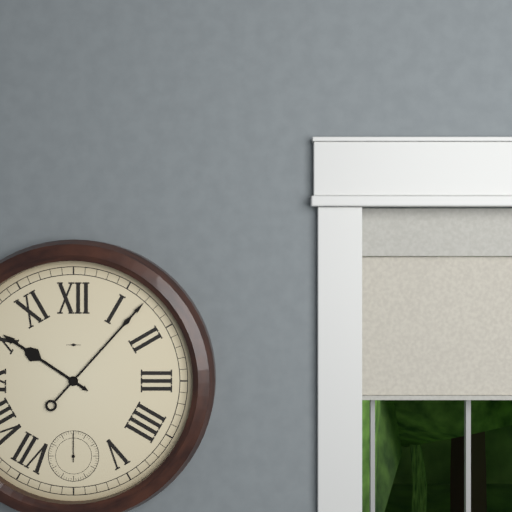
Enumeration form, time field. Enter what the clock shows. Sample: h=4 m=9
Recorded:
h=10 m=7
